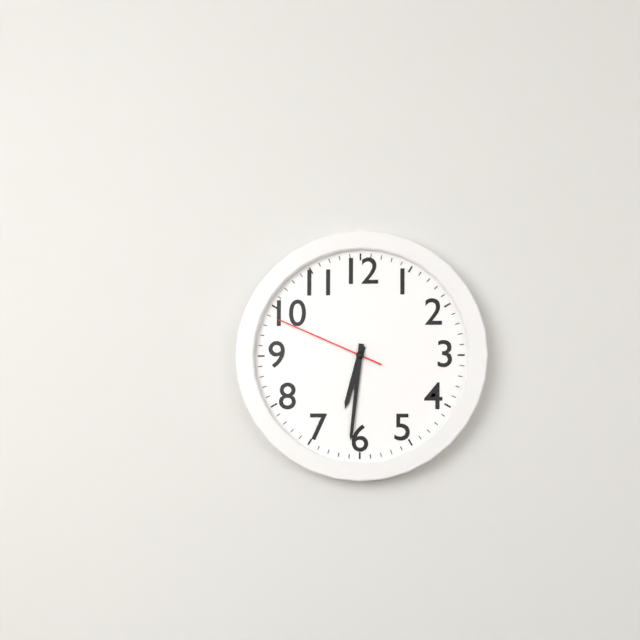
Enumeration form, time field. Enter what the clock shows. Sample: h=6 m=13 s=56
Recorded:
h=6 m=31 s=49
